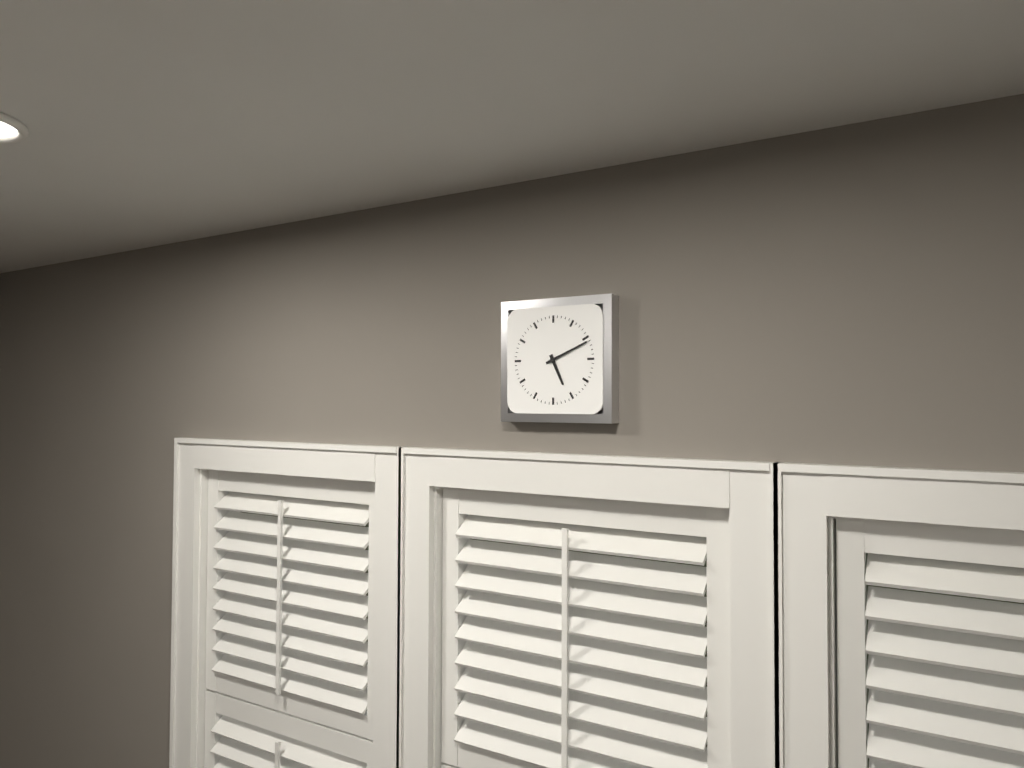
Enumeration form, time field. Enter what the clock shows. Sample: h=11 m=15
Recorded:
h=5 m=11
